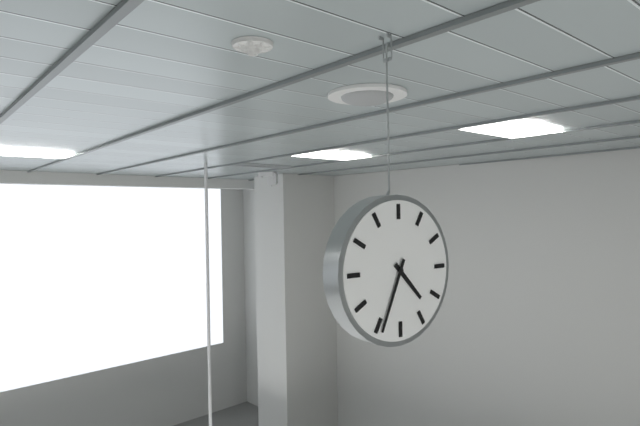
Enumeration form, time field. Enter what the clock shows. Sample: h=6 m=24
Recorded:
h=4 m=34
